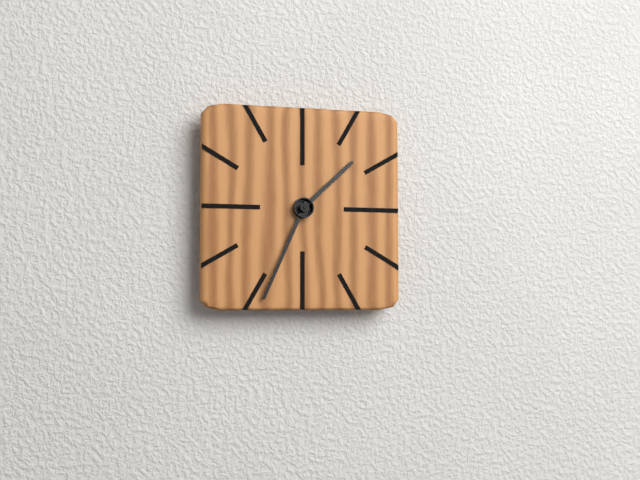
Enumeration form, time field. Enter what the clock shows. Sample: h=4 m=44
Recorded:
h=1 m=34
